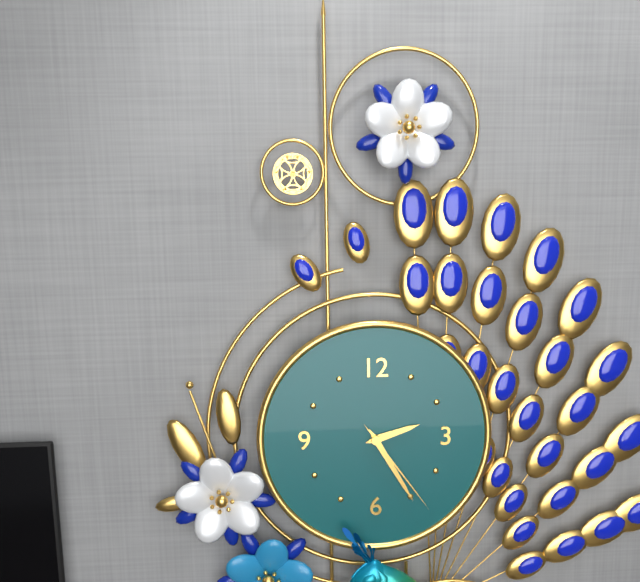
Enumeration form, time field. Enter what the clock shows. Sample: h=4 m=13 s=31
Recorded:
h=2 m=25 s=24
